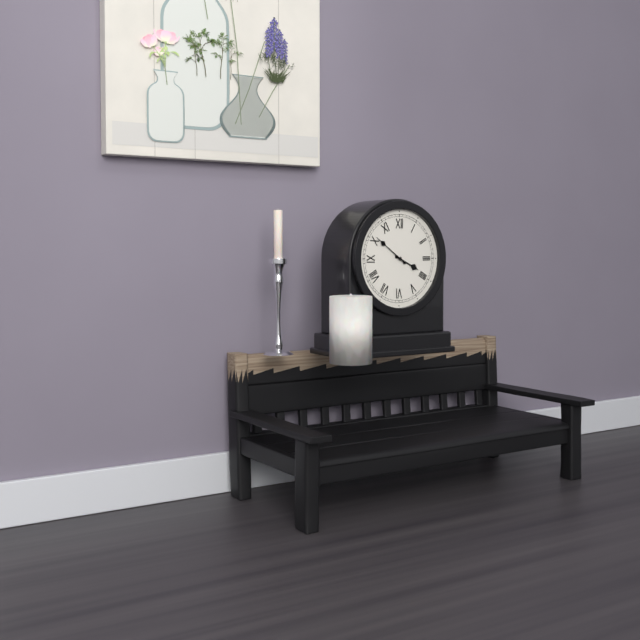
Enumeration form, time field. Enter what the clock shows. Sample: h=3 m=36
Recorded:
h=3 m=51
